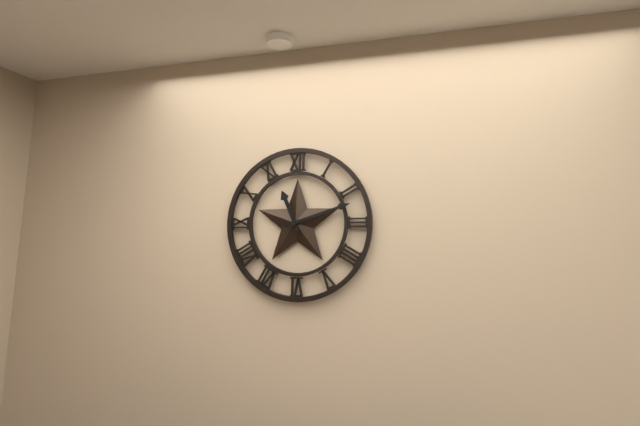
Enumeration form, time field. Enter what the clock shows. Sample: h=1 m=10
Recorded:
h=11 m=12
